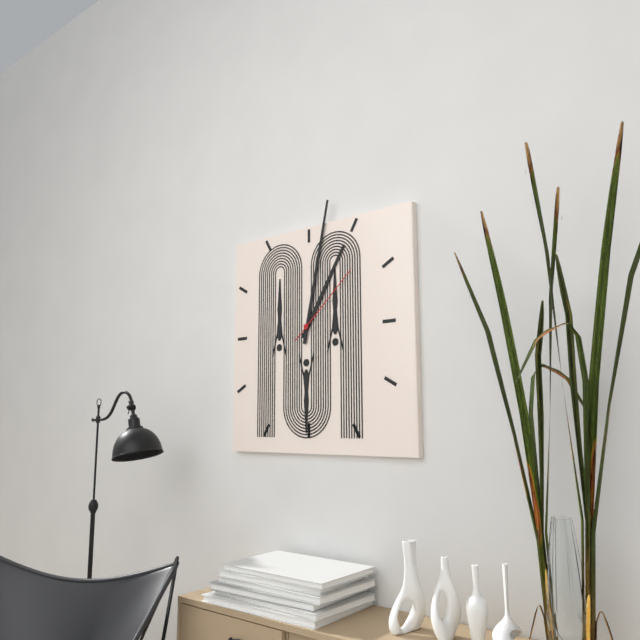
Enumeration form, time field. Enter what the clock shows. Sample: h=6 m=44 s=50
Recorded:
h=1 m=2 s=8
